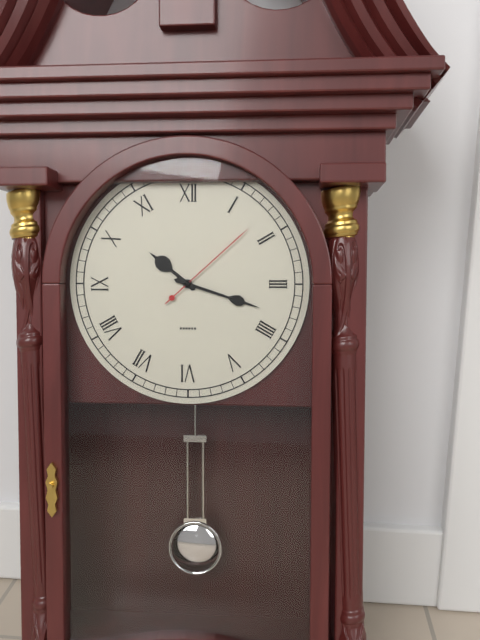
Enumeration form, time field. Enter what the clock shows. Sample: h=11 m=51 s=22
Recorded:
h=10 m=18 s=8
